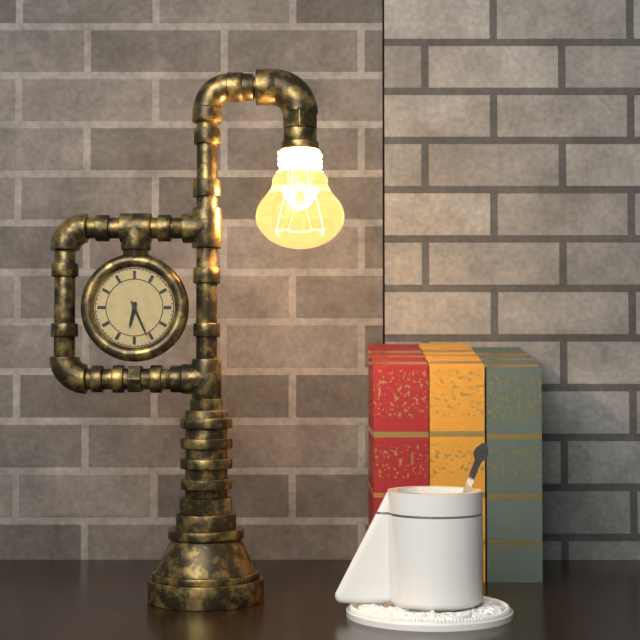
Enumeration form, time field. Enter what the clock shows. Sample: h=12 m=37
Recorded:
h=6 m=26
